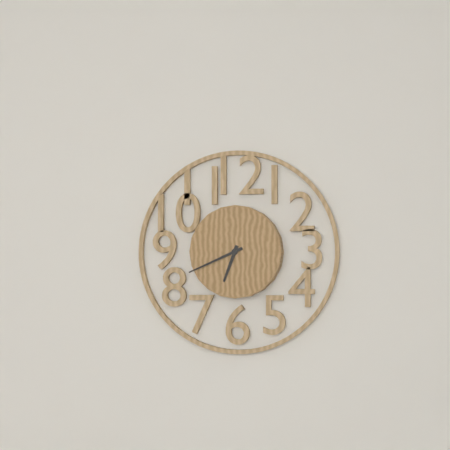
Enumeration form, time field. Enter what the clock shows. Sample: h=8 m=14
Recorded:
h=6 m=41
